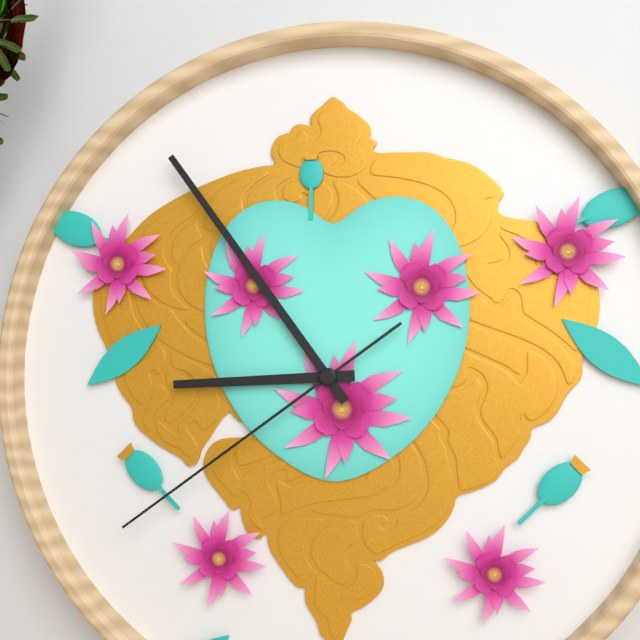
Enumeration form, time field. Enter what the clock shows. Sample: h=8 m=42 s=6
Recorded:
h=8 m=54 s=39
